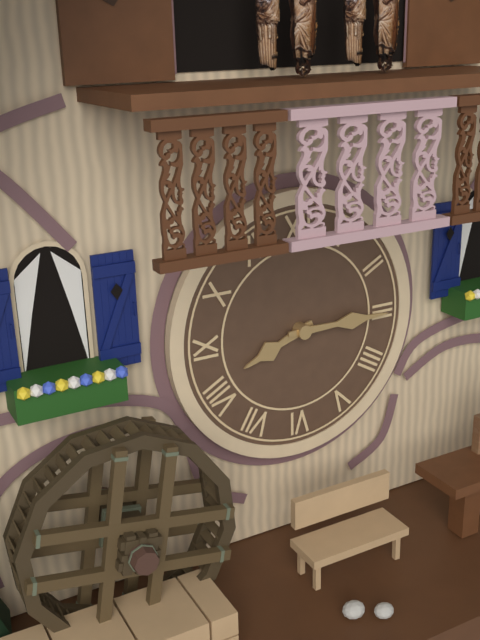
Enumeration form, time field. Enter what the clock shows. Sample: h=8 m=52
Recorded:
h=8 m=15
